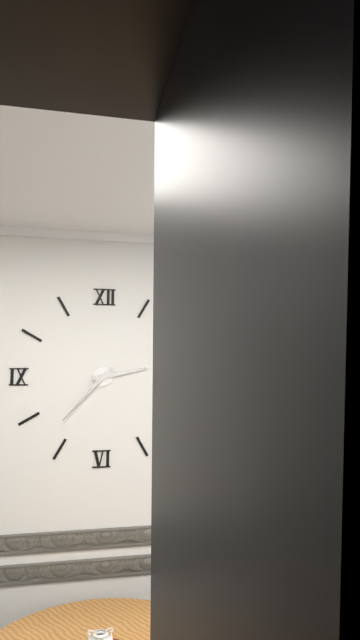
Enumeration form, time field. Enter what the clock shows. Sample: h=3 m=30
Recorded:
h=2 m=37
